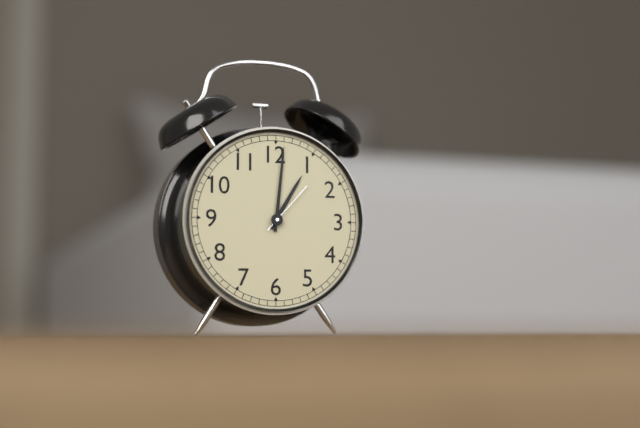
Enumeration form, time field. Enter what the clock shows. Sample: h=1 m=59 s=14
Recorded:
h=1 m=1 s=7
